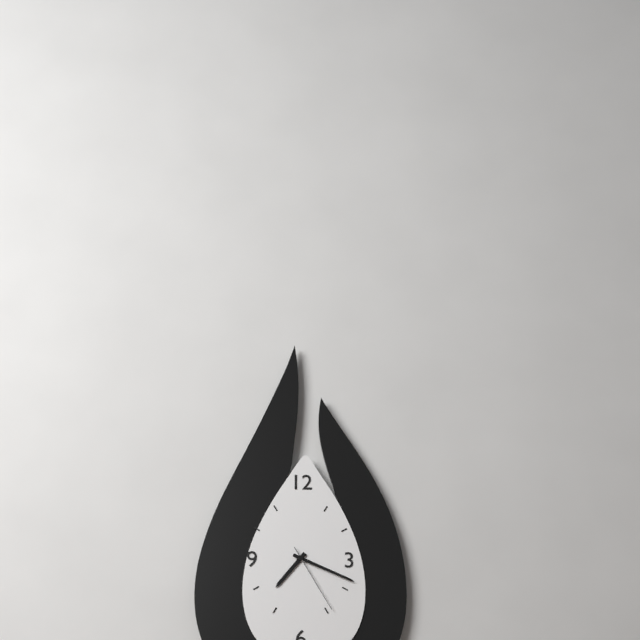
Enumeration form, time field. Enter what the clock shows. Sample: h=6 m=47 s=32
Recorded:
h=7 m=19 s=25
